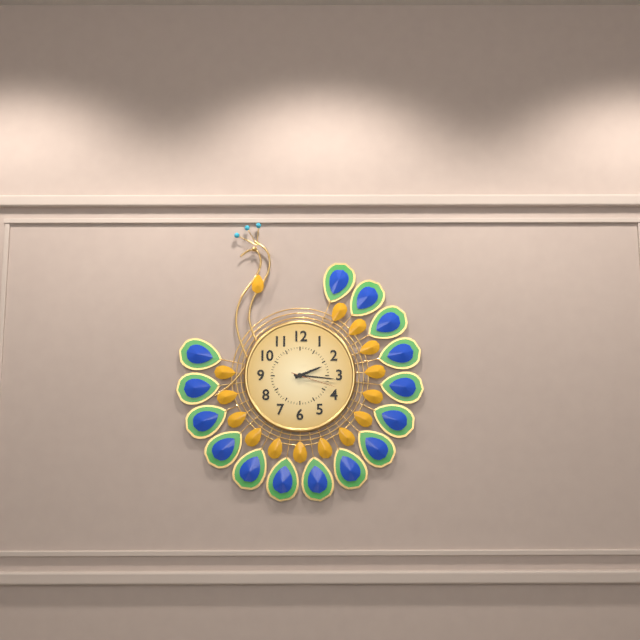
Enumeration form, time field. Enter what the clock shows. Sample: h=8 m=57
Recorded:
h=2 m=16
